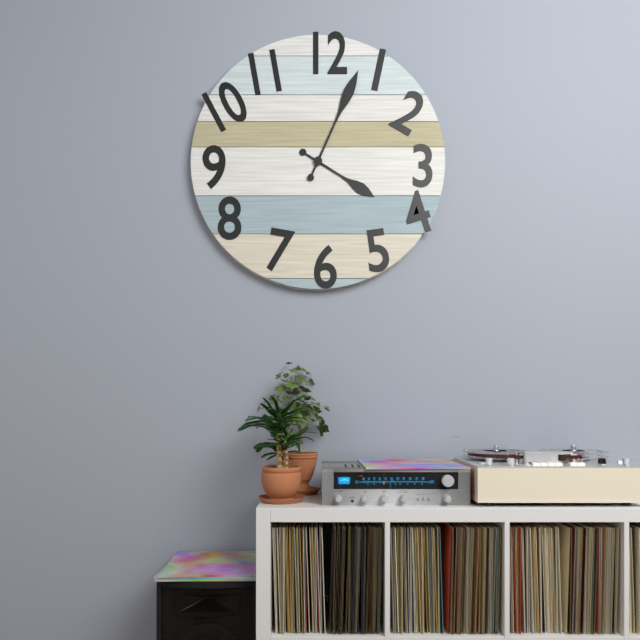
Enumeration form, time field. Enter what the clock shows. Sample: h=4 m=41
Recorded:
h=4 m=4
